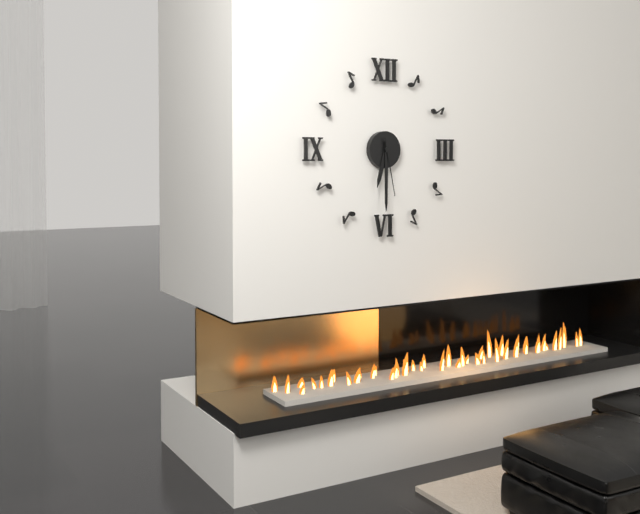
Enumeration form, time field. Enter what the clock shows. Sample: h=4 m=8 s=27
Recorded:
h=6 m=30 s=28
